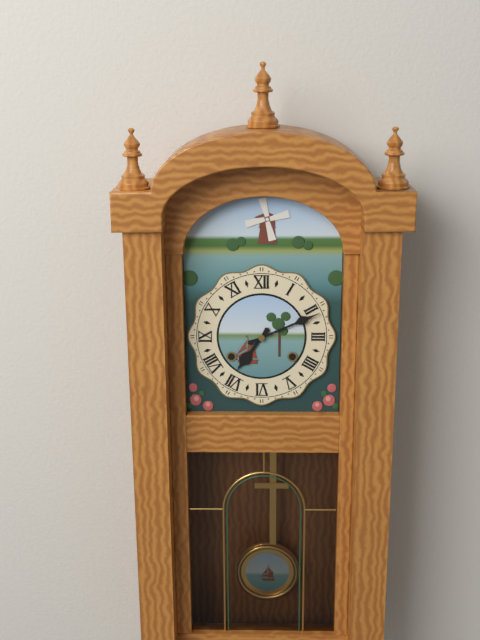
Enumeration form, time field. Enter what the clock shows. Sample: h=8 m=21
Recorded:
h=7 m=11
